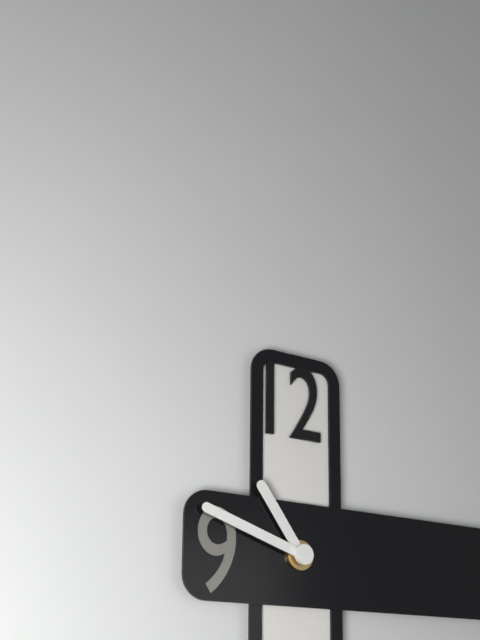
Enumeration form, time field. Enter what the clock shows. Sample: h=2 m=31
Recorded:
h=10 m=48
